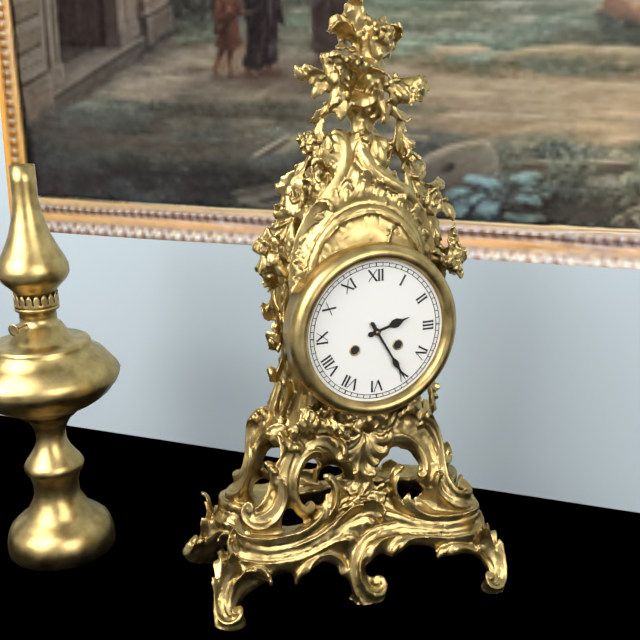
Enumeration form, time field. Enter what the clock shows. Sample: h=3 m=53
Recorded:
h=2 m=25
